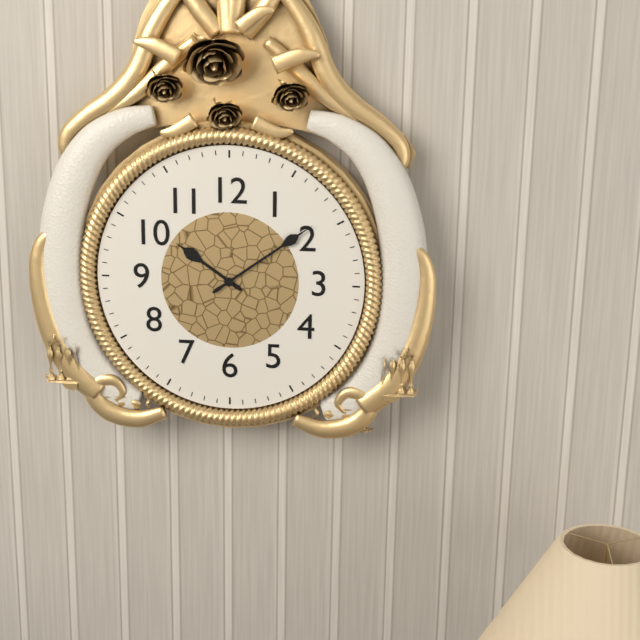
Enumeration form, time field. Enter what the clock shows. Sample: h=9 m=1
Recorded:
h=10 m=9
